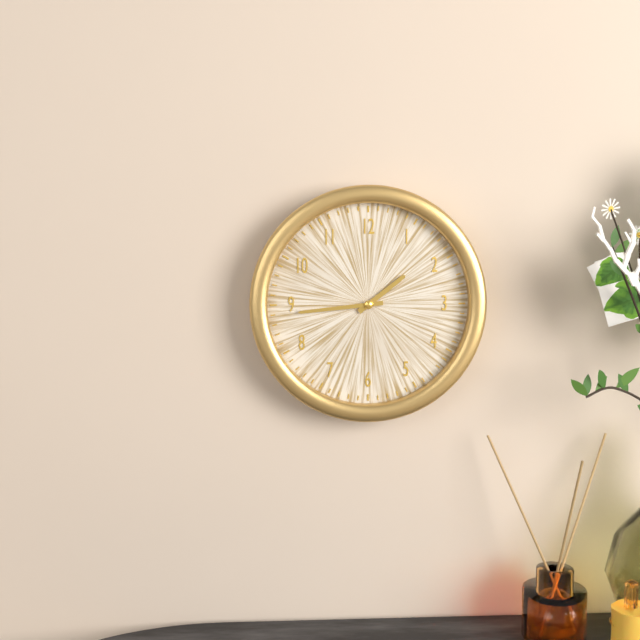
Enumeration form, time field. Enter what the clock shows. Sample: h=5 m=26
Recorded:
h=1 m=44
